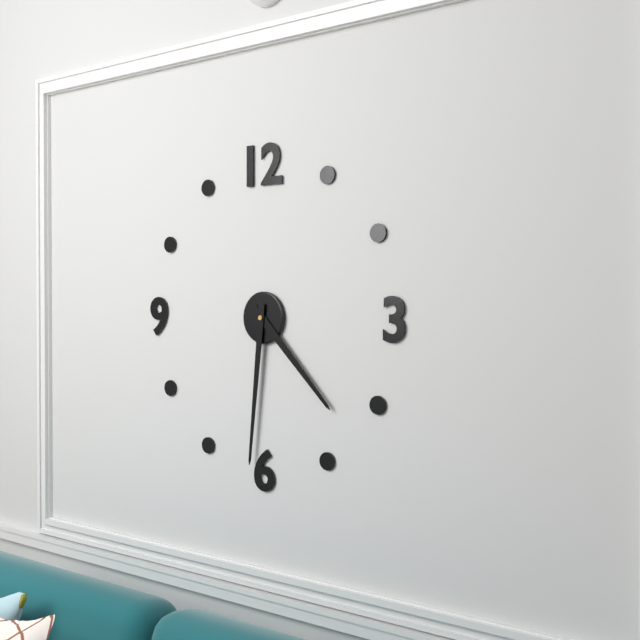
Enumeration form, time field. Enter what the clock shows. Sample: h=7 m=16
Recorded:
h=4 m=31
